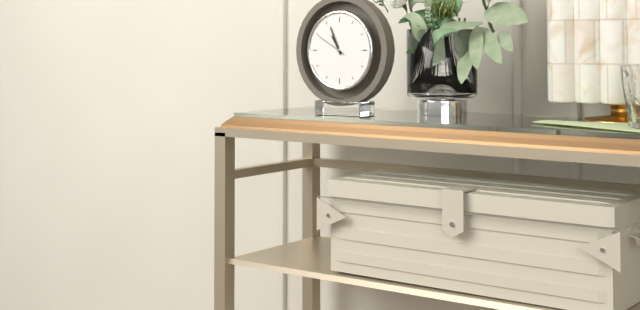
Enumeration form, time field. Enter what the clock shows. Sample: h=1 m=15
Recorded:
h=10 m=56
